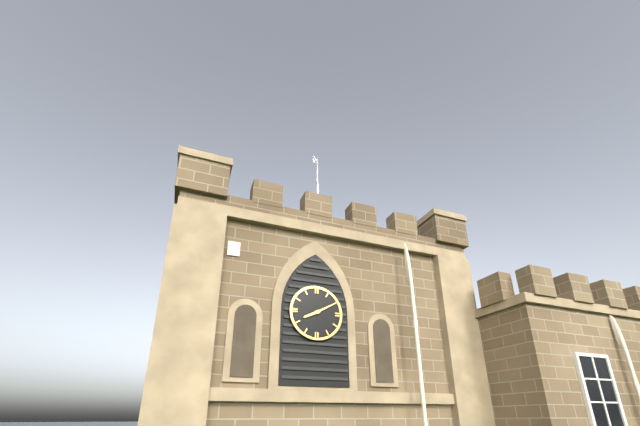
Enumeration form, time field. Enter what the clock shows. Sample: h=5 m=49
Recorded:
h=8 m=10
